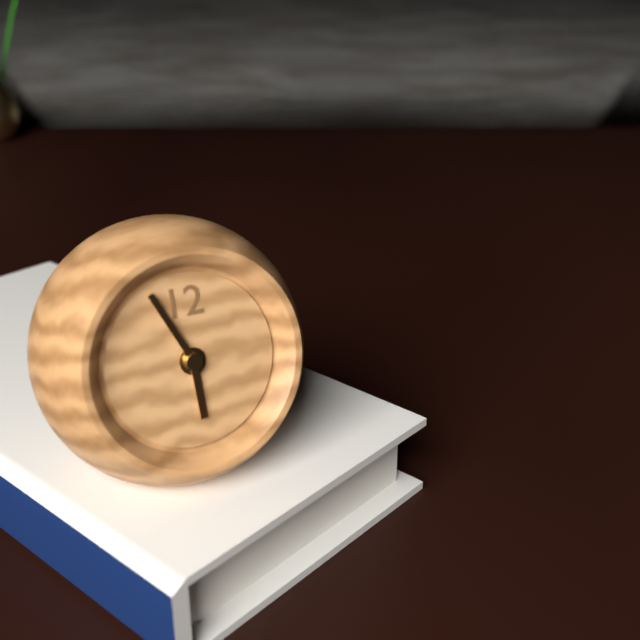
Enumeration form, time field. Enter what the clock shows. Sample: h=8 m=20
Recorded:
h=5 m=56
